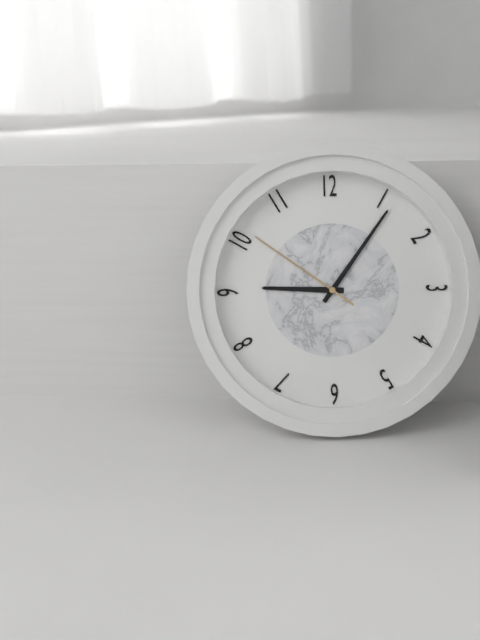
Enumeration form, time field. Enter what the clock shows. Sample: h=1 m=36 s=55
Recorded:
h=9 m=6 s=51
